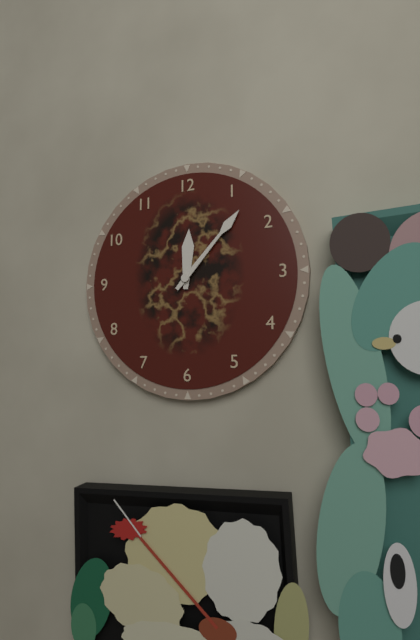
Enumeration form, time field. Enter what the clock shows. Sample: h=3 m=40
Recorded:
h=12 m=7
